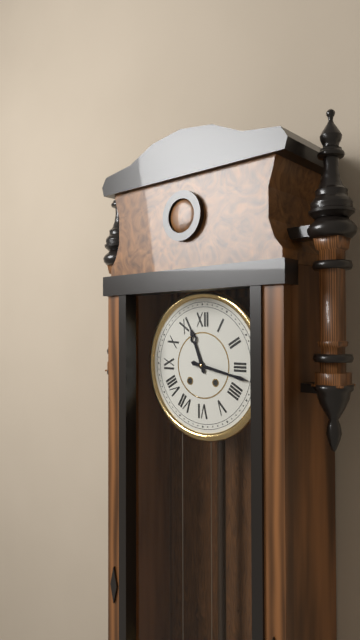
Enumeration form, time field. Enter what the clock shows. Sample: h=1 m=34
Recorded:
h=11 m=17
